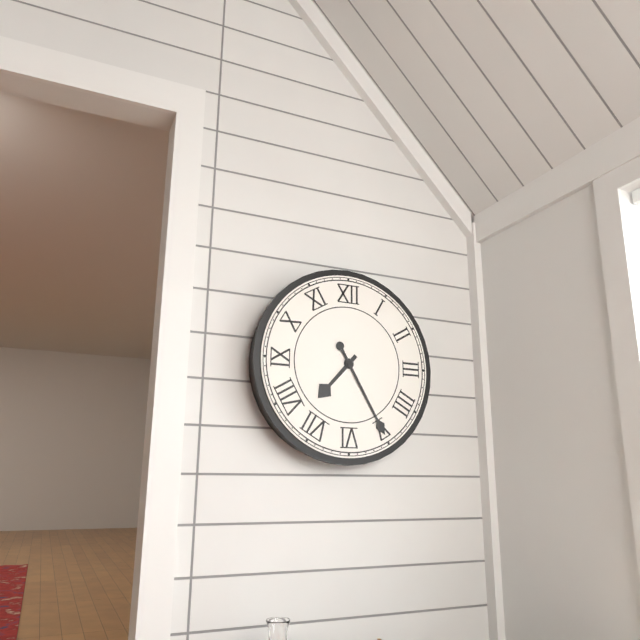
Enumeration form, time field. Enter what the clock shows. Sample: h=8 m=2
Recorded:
h=7 m=25
